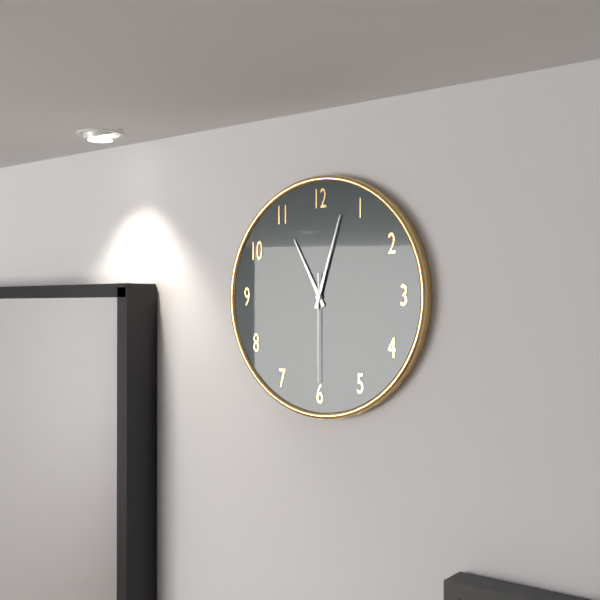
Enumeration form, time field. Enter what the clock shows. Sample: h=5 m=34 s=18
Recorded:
h=11 m=3 s=30
